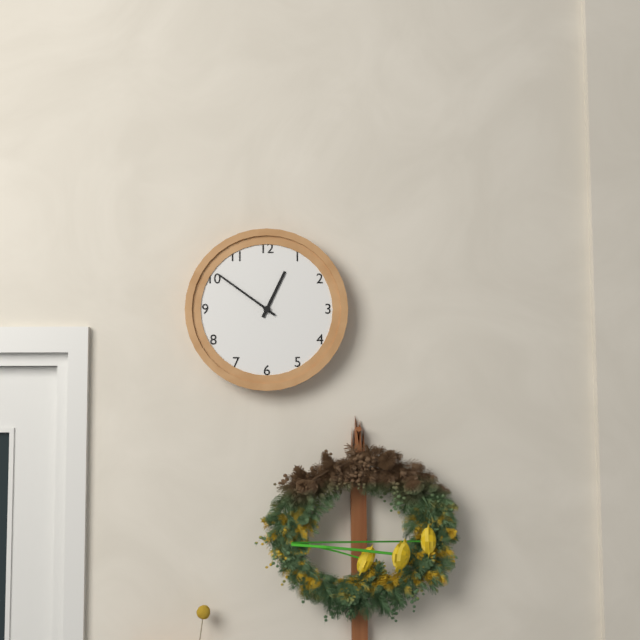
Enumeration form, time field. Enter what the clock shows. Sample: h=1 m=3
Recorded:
h=12 m=51
